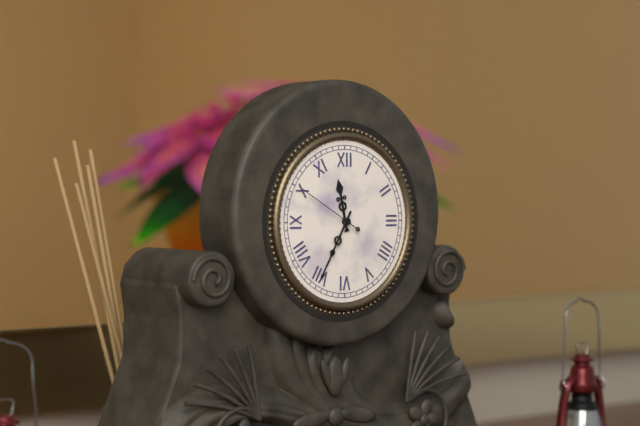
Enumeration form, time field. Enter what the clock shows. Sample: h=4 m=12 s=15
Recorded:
h=11 m=35 s=50
